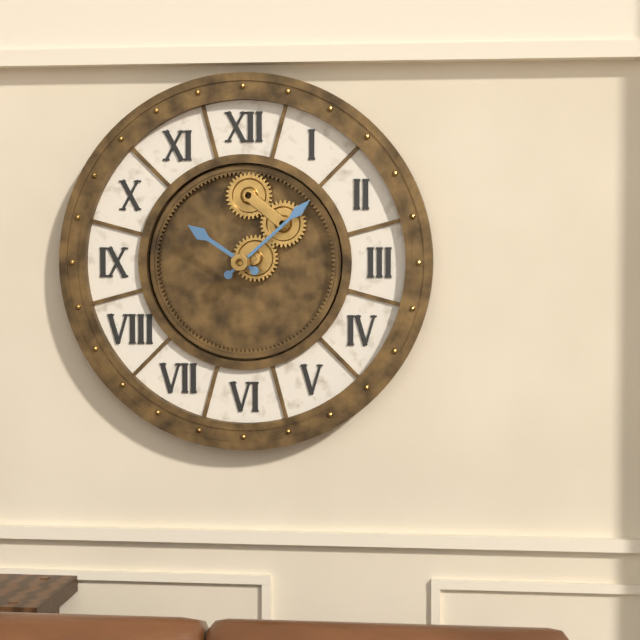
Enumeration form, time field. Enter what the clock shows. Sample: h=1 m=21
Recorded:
h=10 m=8
